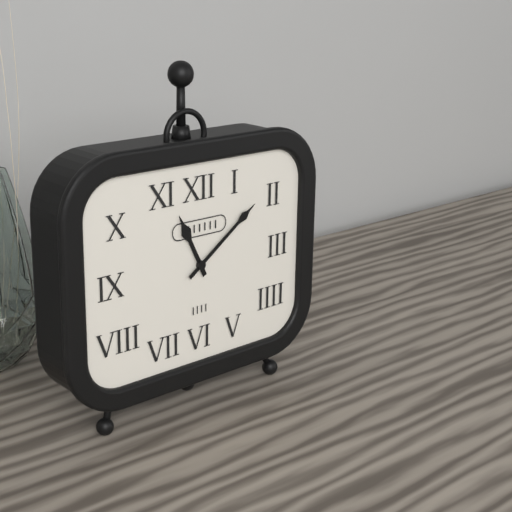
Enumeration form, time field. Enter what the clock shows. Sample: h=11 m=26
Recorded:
h=11 m=9
